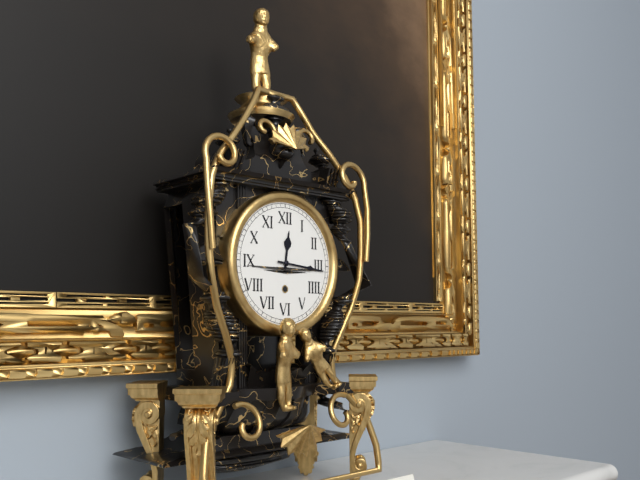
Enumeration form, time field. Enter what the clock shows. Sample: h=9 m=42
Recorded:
h=12 m=16
